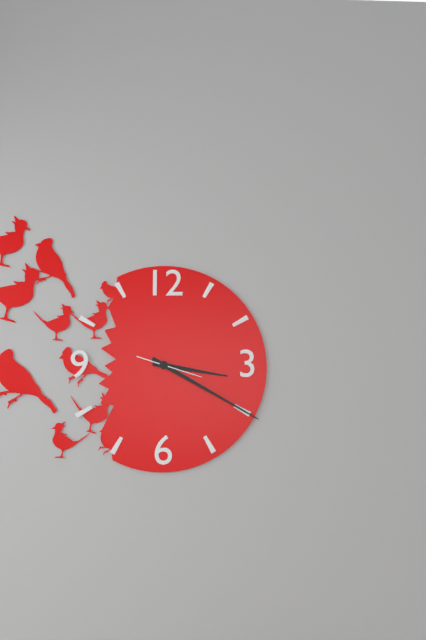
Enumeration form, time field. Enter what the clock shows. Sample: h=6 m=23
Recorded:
h=3 m=20
